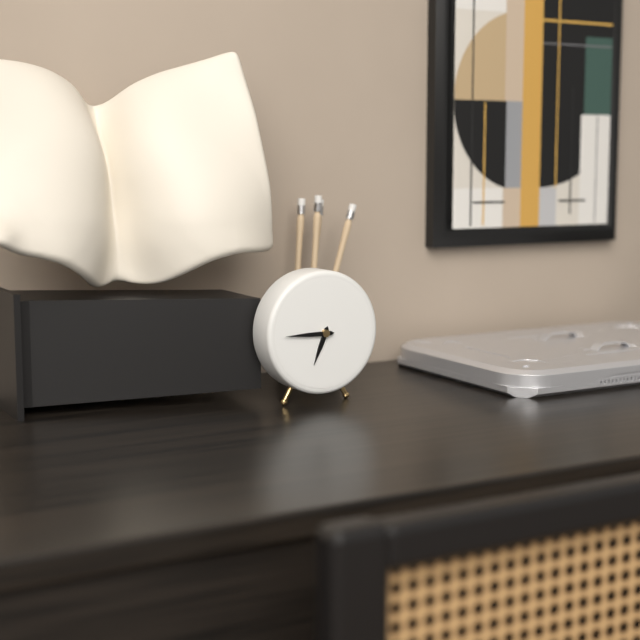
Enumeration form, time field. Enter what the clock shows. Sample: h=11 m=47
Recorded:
h=6 m=45
